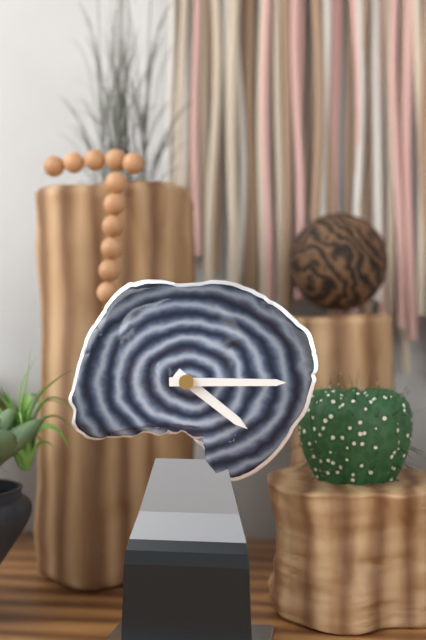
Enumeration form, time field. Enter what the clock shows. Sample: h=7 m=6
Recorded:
h=4 m=15
